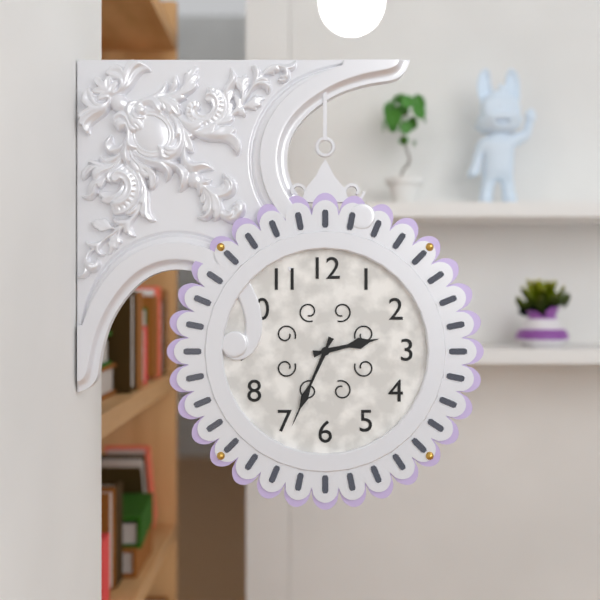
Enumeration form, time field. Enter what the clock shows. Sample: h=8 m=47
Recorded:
h=2 m=34
